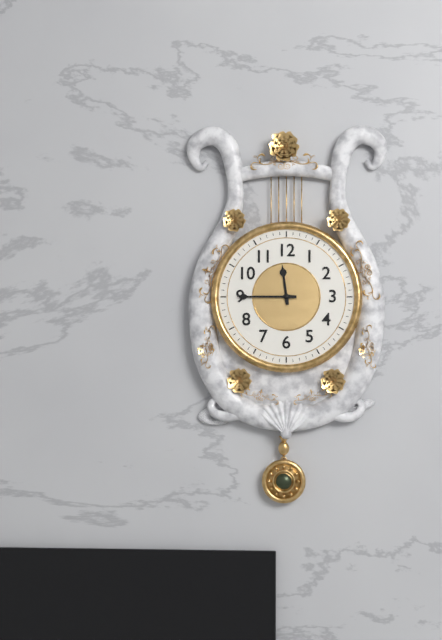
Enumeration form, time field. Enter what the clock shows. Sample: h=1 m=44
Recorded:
h=11 m=45
